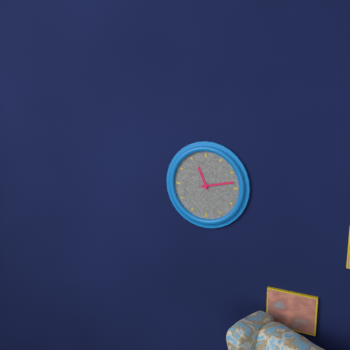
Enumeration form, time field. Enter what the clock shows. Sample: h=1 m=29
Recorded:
h=11 m=13
